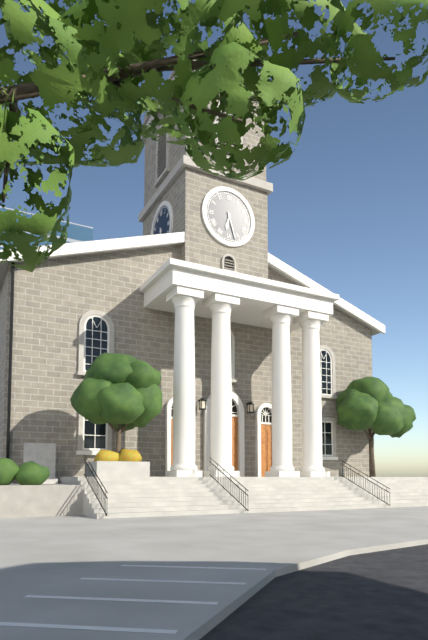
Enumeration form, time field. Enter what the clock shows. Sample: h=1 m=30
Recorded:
h=6 m=27
